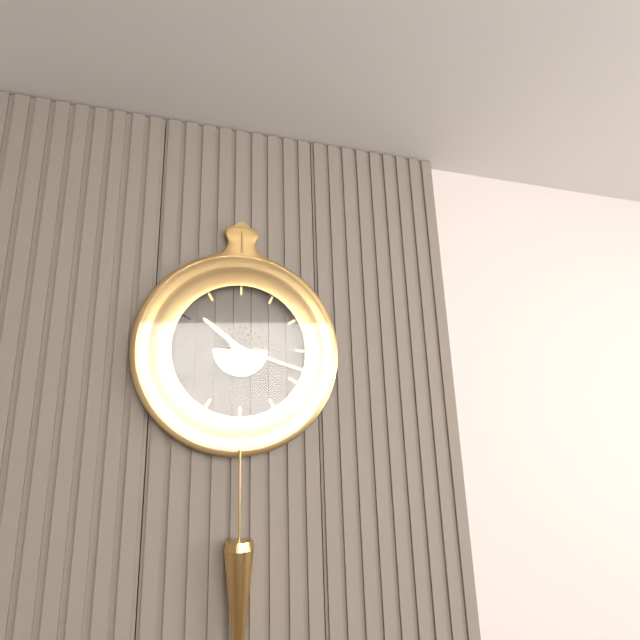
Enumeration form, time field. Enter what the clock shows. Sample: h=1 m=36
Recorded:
h=10 m=18
